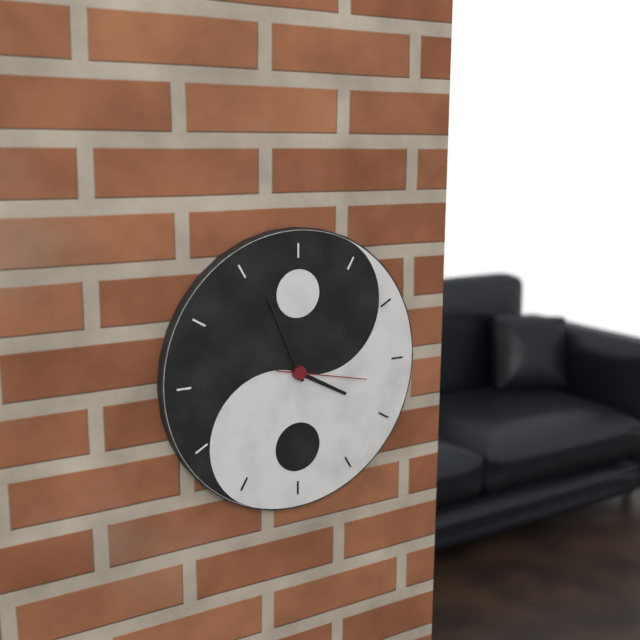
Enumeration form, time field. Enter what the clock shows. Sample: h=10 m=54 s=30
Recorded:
h=3 m=56 s=17
